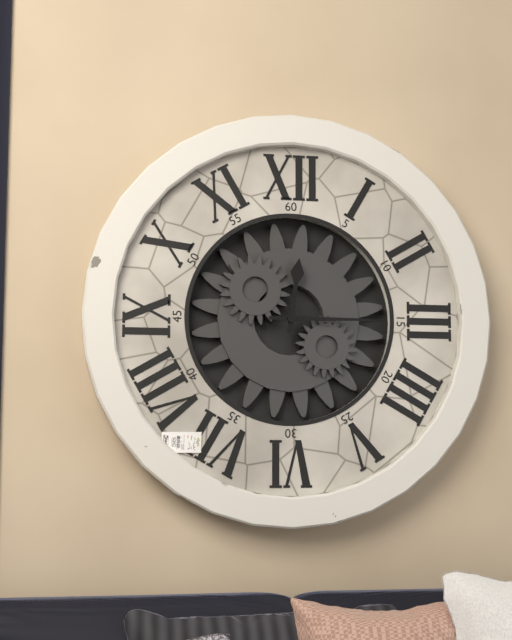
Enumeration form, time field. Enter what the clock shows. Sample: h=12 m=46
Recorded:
h=12 m=15
